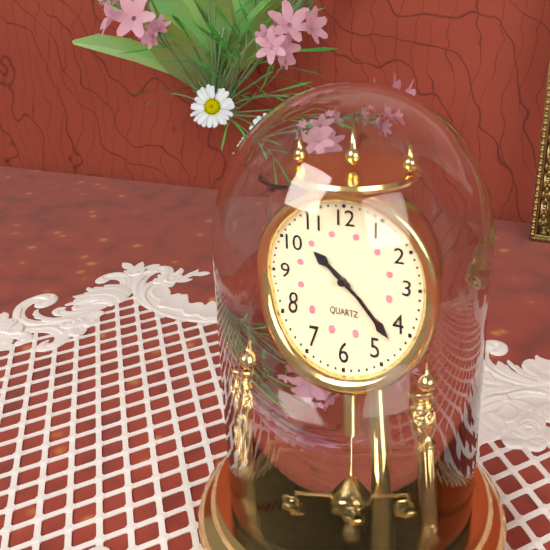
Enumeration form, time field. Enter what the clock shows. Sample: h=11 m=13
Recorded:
h=10 m=22
